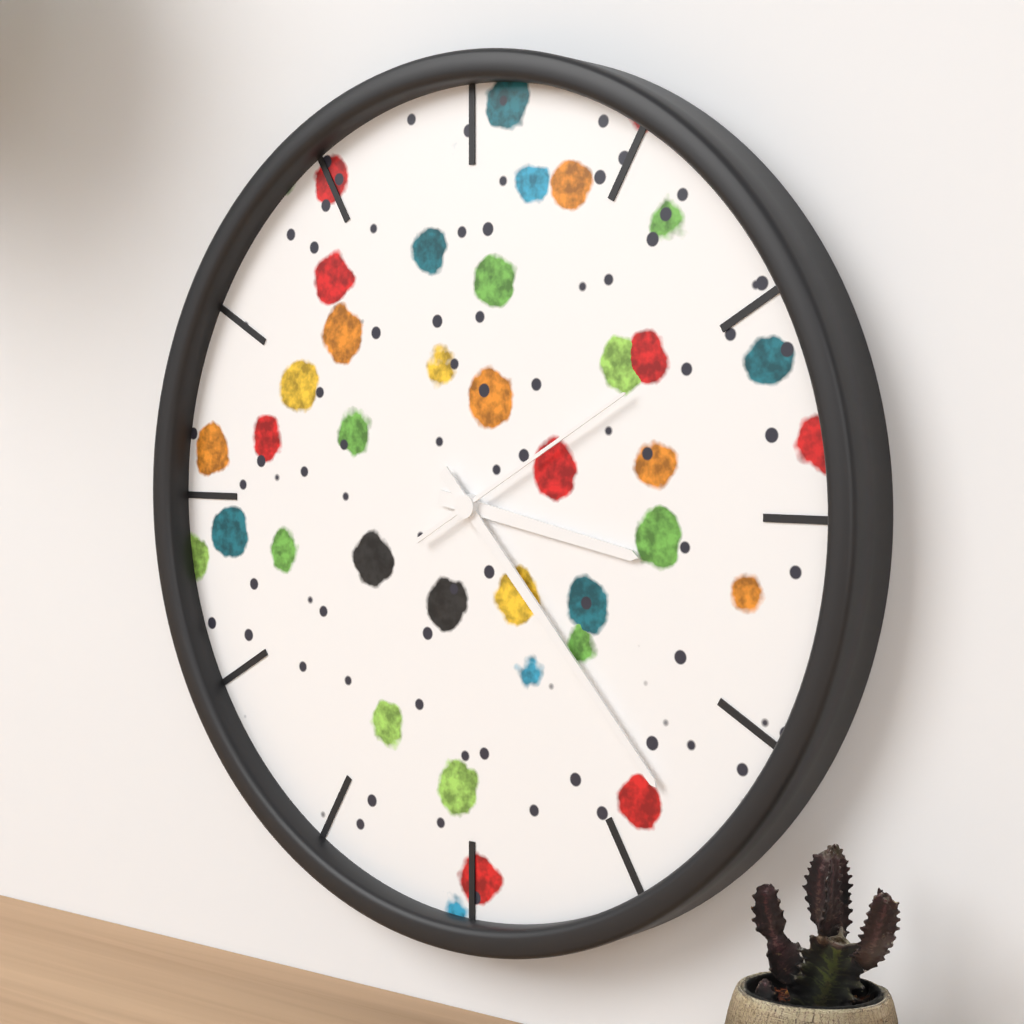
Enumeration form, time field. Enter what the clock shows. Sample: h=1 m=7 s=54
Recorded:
h=3 m=23 s=10
